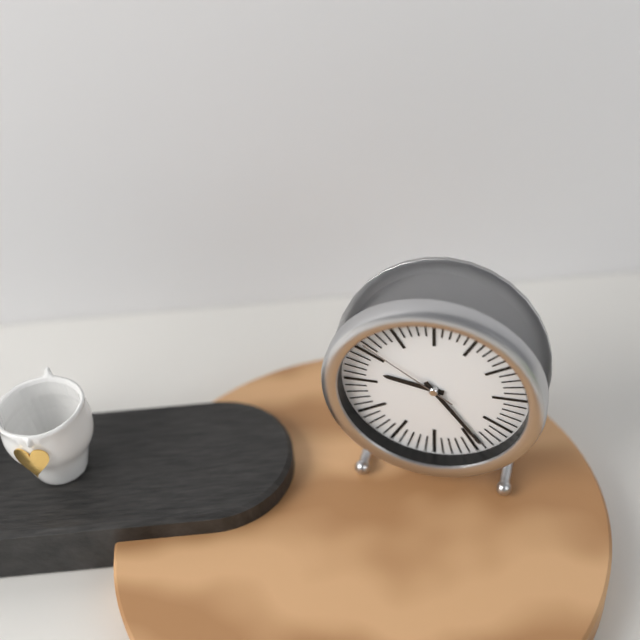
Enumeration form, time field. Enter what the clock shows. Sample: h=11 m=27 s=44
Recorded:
h=9 m=24 s=51
